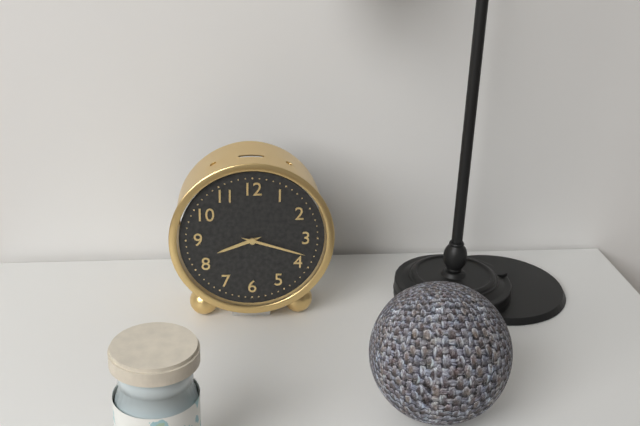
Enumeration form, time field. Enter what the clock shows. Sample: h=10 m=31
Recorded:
h=8 m=18
